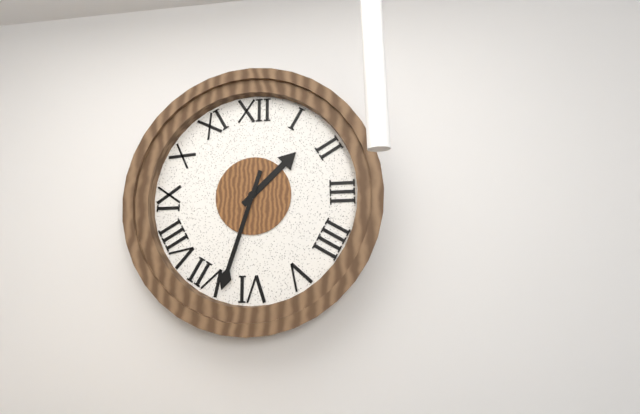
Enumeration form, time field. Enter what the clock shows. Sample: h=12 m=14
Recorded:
h=1 m=33
